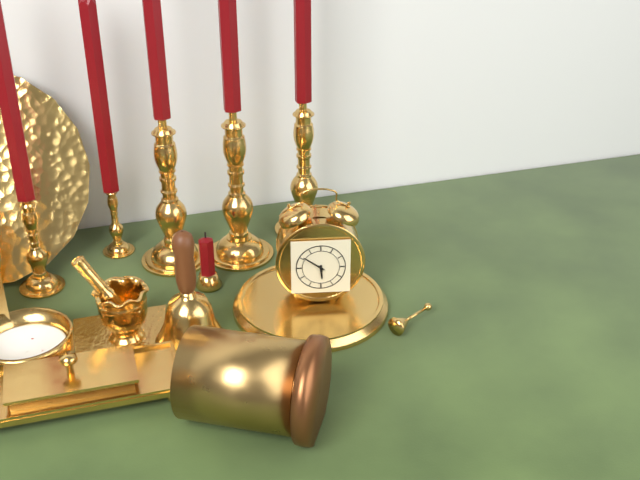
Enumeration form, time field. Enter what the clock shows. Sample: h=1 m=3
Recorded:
h=5 m=51
